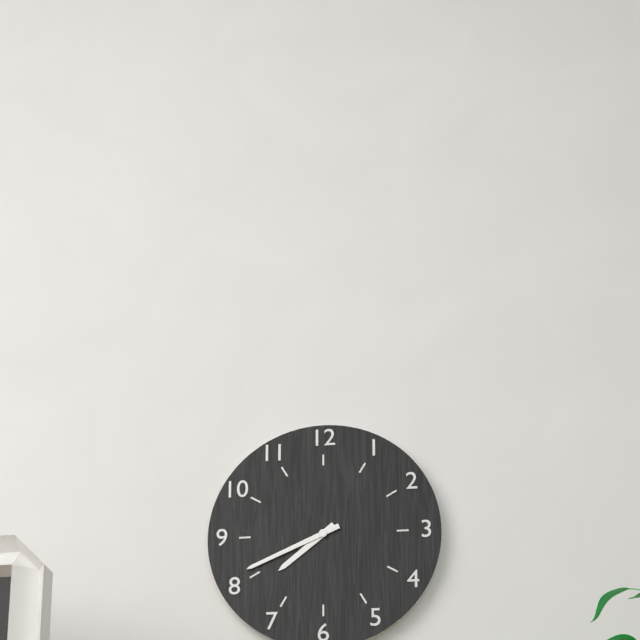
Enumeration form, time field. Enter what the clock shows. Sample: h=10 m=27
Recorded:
h=7 m=41
